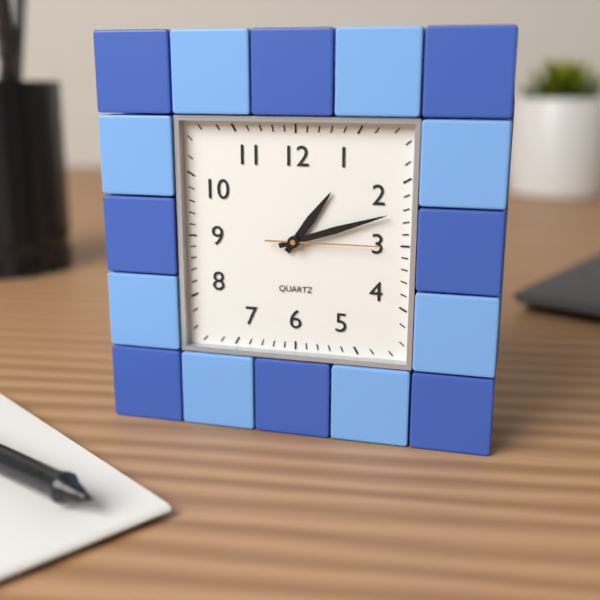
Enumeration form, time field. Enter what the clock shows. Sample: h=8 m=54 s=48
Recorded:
h=1 m=12 s=15
